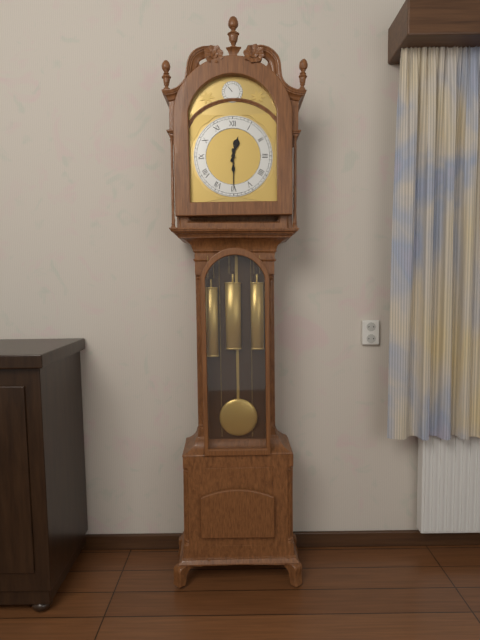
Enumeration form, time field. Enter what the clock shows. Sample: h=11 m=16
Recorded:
h=12 m=30
